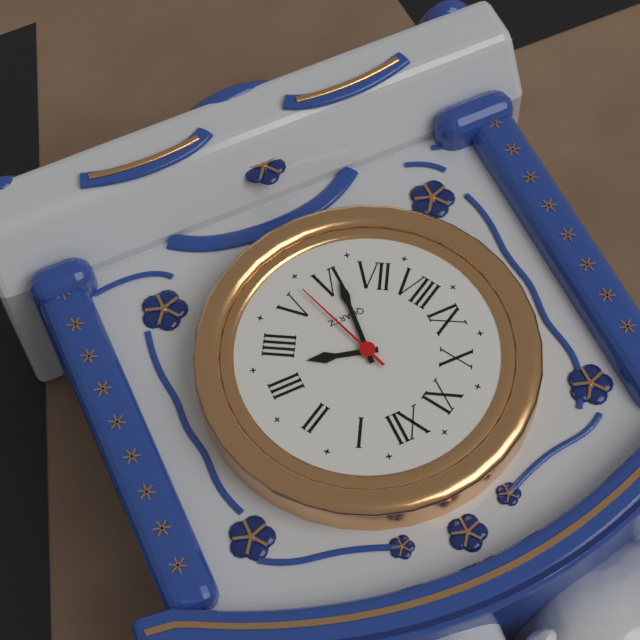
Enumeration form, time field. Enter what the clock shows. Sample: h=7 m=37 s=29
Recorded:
h=3 m=31 s=27
